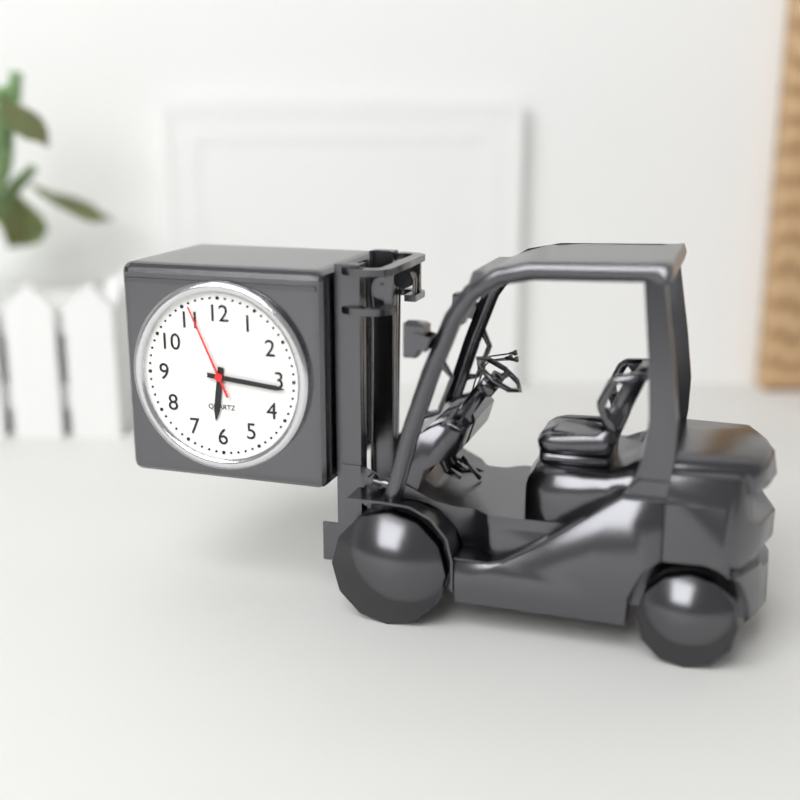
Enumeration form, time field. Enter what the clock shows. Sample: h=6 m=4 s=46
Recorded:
h=6 m=16 s=56
